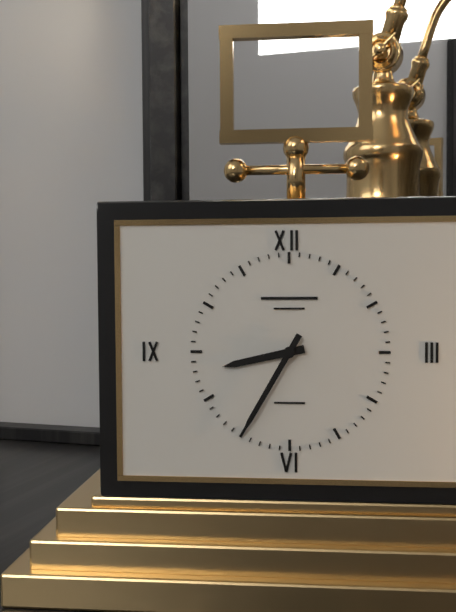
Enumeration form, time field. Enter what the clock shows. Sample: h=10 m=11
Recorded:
h=8 m=35
